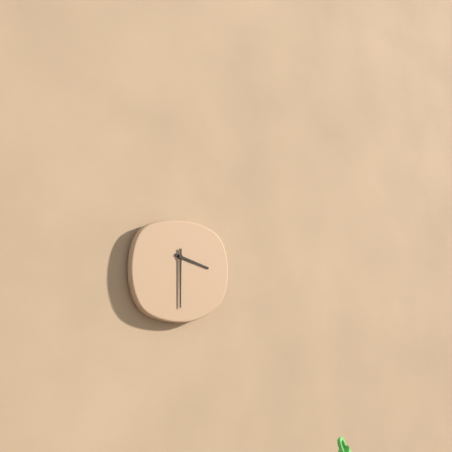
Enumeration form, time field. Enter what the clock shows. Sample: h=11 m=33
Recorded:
h=3 m=30
